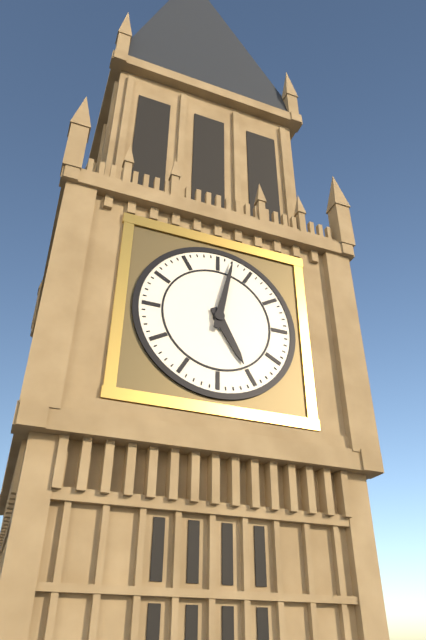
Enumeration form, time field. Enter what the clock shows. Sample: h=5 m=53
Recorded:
h=5 m=2
